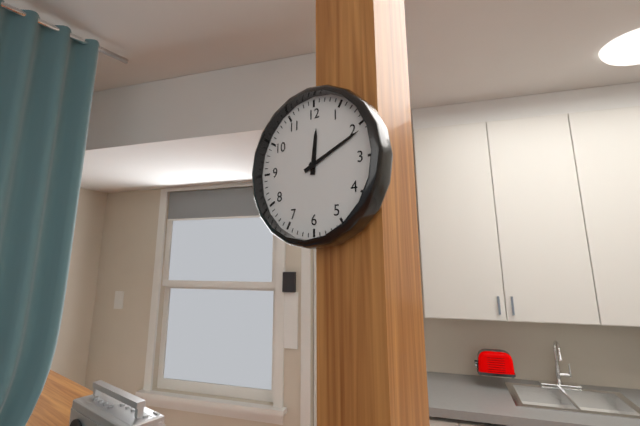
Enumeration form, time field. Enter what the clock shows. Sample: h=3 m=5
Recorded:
h=12 m=11
